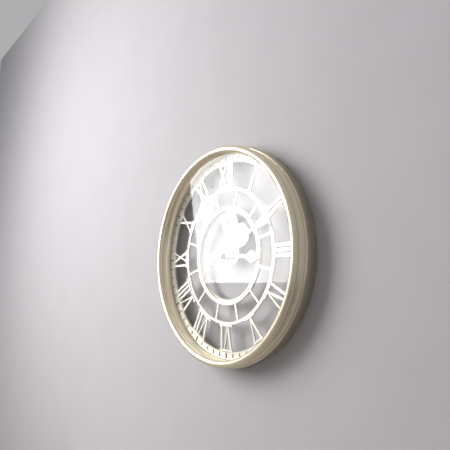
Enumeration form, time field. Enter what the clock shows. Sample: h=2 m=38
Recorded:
h=3 m=11
